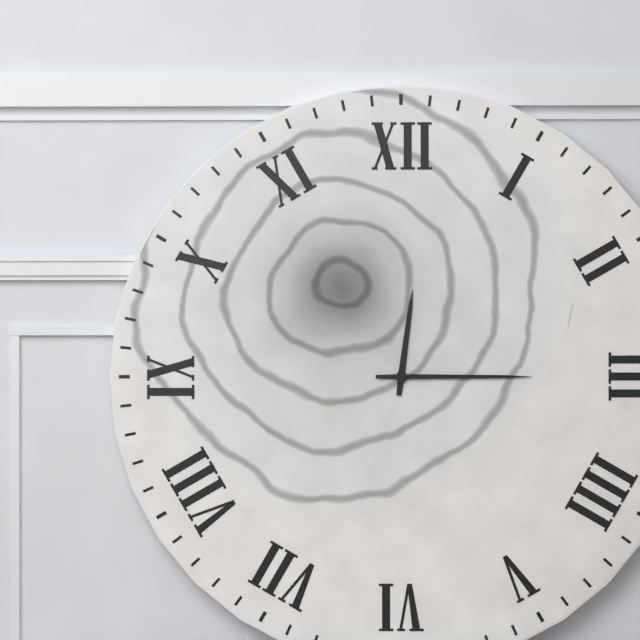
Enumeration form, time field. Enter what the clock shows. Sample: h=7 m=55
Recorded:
h=12 m=15
